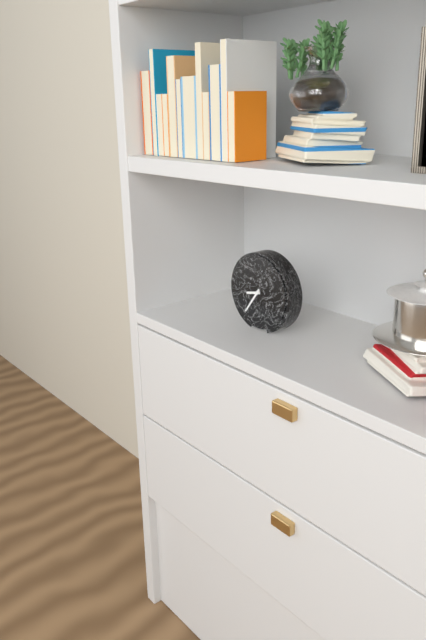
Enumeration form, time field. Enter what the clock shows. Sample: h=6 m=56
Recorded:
h=8 m=36
